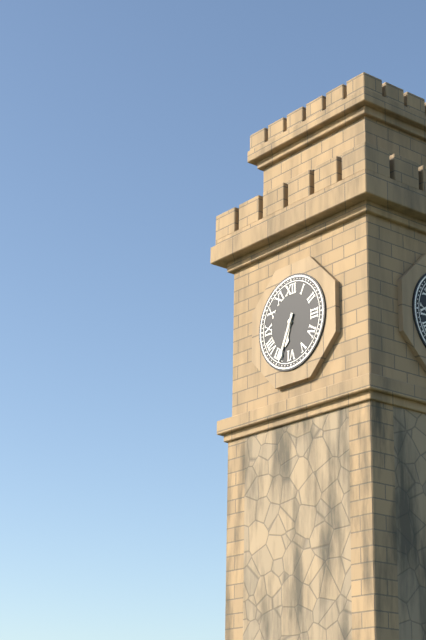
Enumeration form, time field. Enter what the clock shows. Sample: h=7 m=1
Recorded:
h=6 m=34
